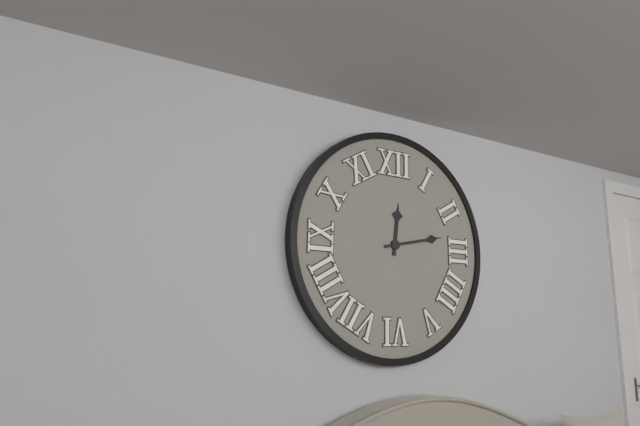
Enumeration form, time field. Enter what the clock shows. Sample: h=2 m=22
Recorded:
h=12 m=13
